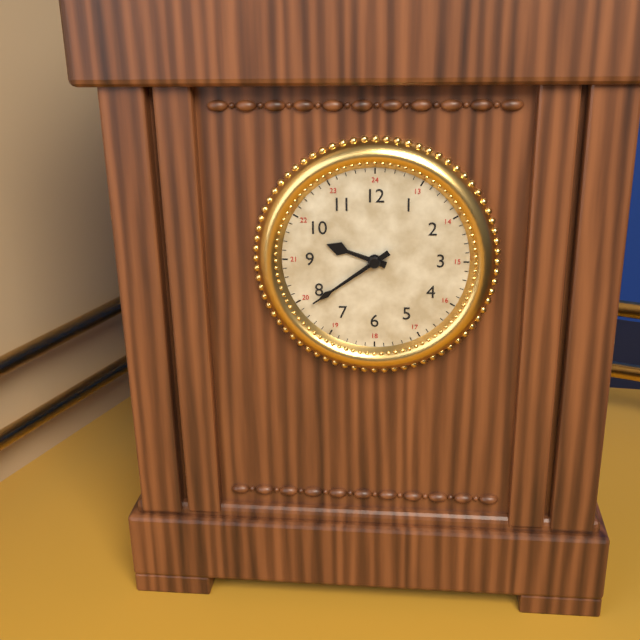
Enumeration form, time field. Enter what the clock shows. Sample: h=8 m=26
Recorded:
h=9 m=39
